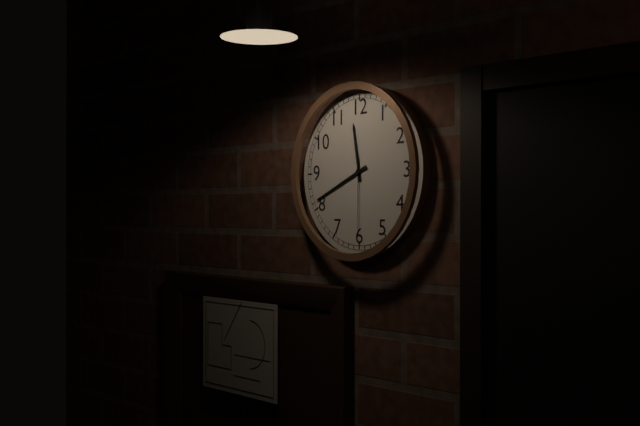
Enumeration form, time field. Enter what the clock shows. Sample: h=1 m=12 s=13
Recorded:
h=11 m=41 s=30
